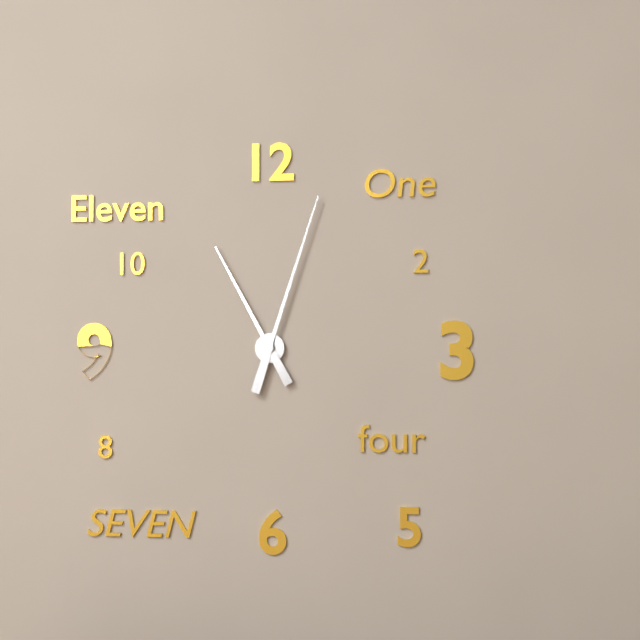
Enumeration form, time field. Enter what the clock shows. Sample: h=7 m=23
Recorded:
h=11 m=3
